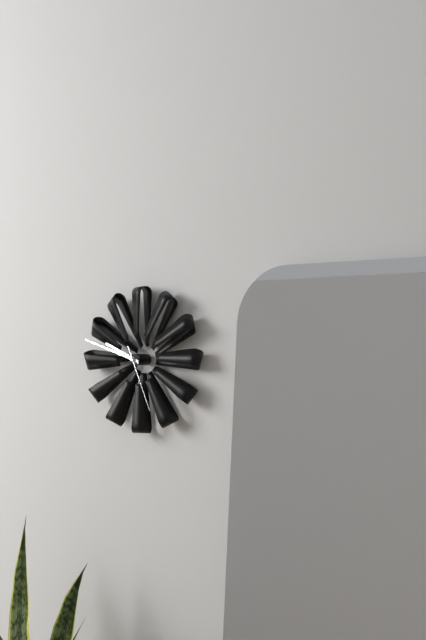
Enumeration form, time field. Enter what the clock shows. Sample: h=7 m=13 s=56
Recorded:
h=9 m=48 s=26
